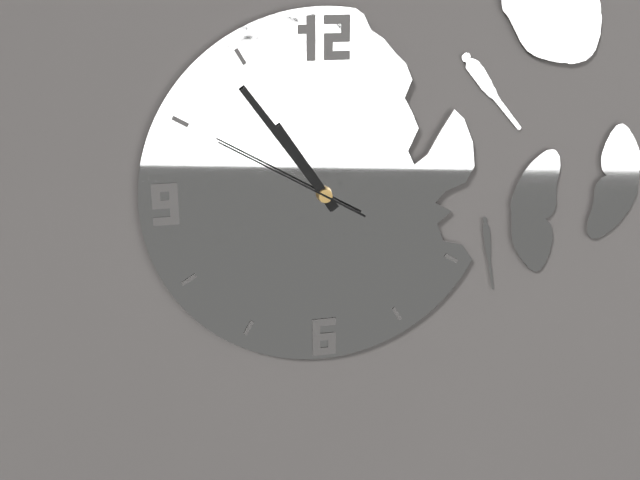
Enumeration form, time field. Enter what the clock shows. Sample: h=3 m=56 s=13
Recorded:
h=10 m=54 s=50
